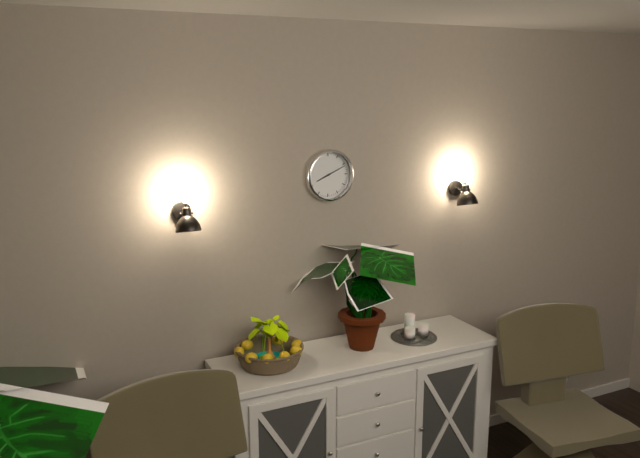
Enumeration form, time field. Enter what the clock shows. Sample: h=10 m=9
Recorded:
h=8 m=11
